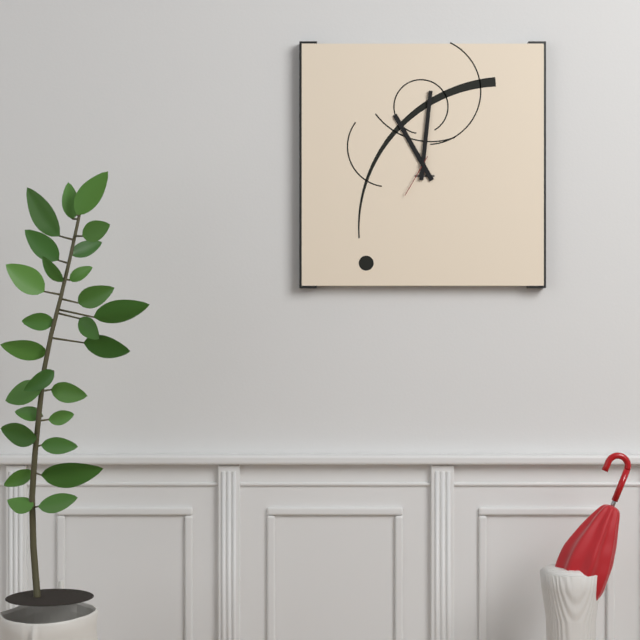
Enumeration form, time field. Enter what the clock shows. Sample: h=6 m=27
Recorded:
h=11 m=1
